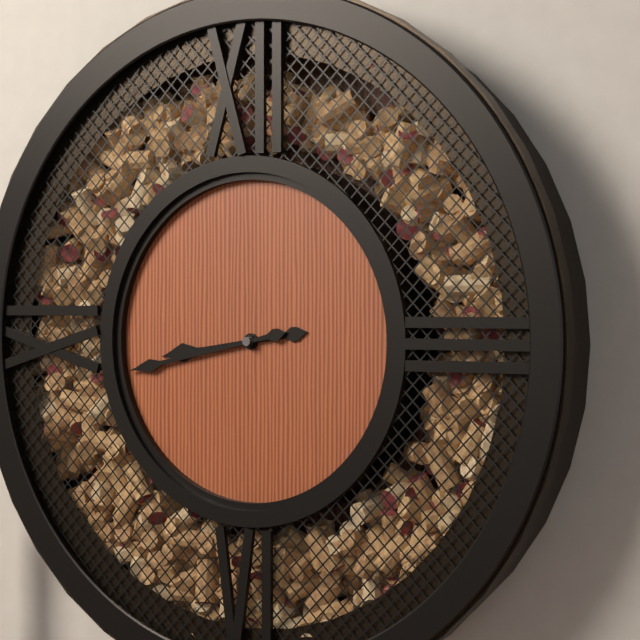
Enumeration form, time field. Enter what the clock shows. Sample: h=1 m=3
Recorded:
h=8 m=43
